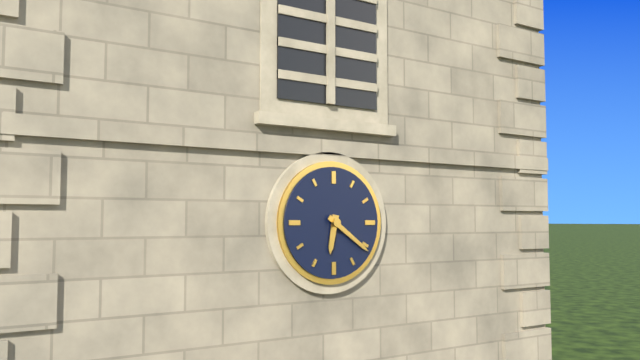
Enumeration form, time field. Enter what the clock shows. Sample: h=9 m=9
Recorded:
h=6 m=21
